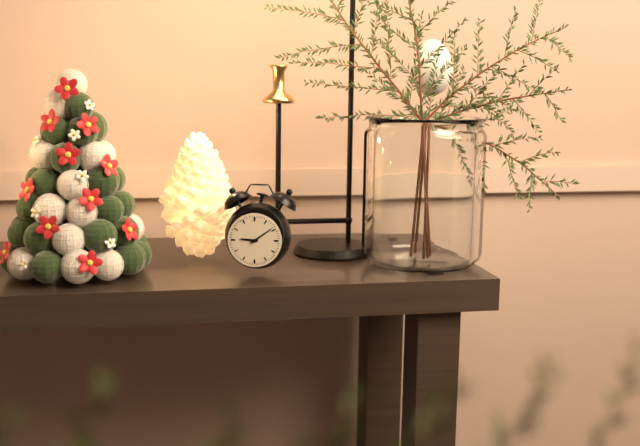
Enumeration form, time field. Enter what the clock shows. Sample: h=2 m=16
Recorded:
h=9 m=9
